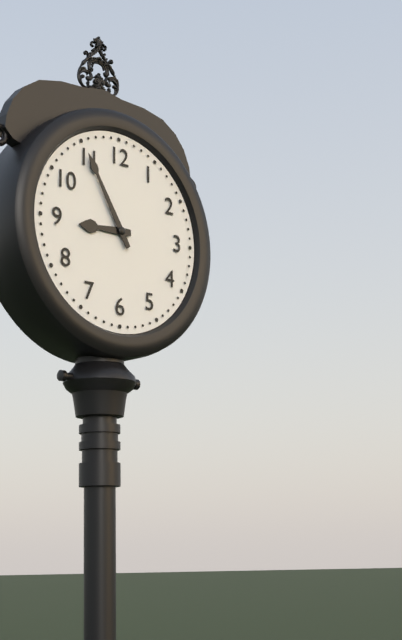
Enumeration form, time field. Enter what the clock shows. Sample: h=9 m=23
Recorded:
h=8 m=55
